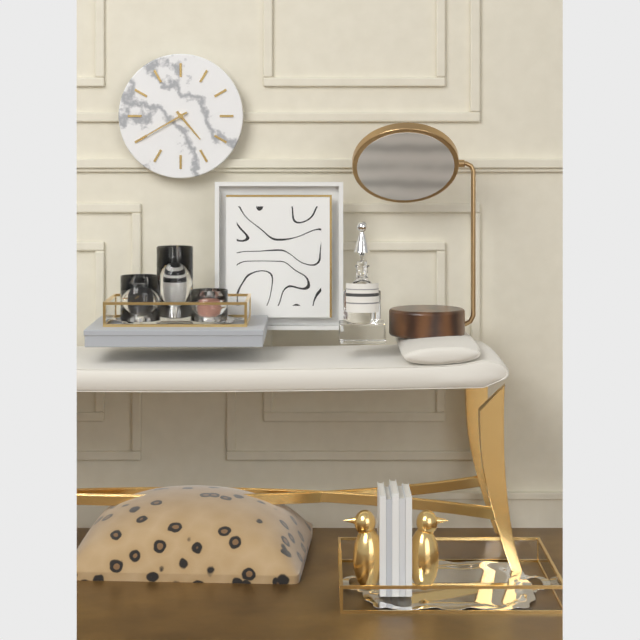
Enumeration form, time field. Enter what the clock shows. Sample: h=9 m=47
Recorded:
h=4 m=40
